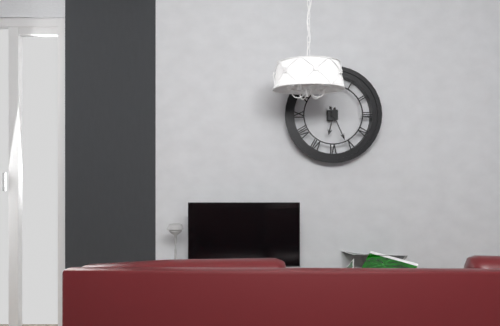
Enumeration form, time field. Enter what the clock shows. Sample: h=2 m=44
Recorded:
h=6 m=26
